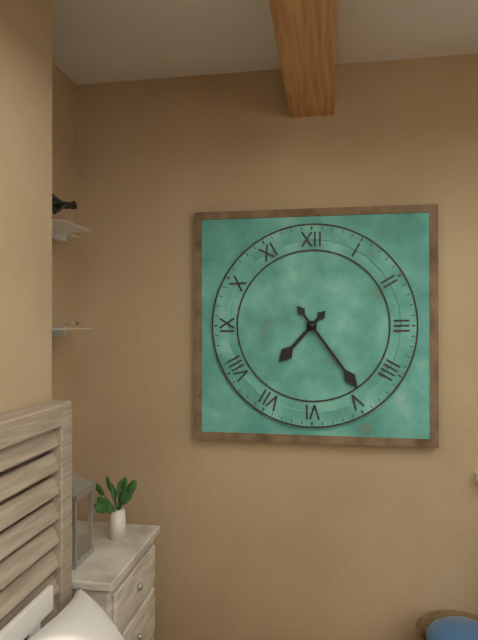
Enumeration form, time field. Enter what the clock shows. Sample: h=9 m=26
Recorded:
h=7 m=24
